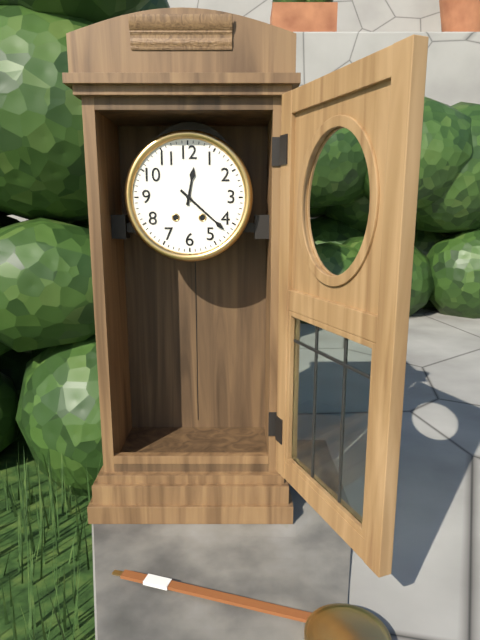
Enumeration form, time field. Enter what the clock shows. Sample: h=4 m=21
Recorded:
h=12 m=22
